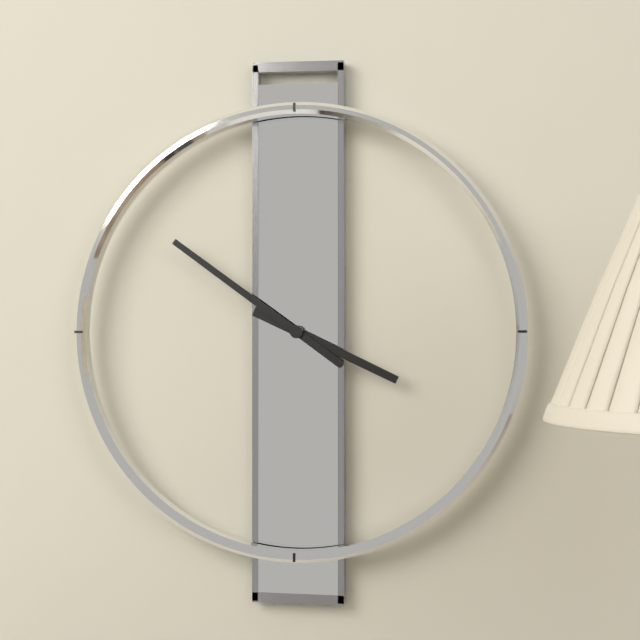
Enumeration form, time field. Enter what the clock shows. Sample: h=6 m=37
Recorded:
h=3 m=51
